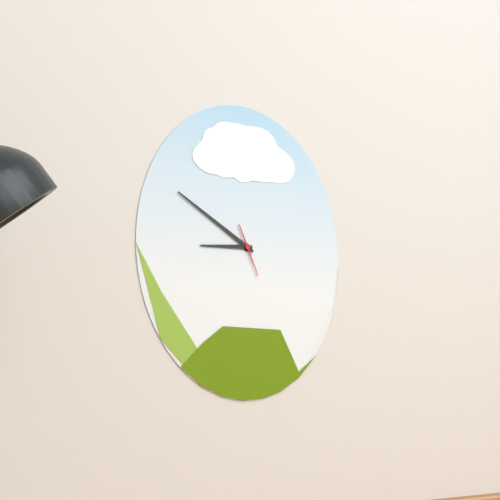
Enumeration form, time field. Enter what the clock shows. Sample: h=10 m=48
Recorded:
h=8 m=50
